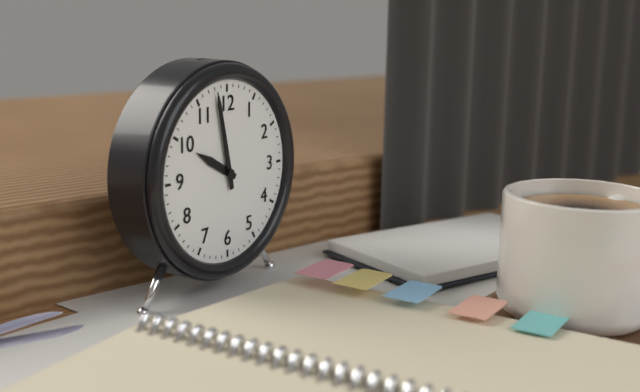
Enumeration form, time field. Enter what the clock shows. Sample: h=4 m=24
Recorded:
h=9 m=58
